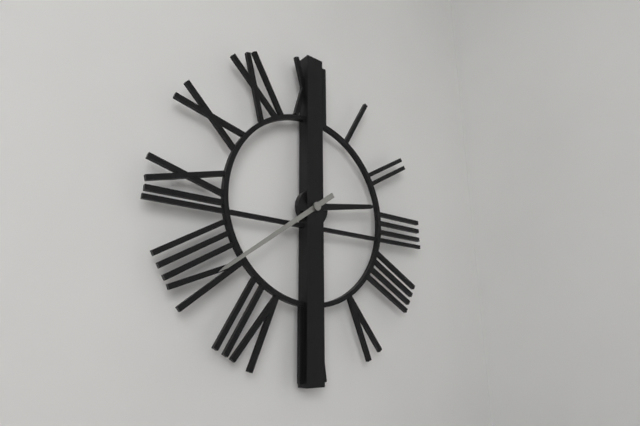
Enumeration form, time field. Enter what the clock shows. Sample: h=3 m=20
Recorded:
h=2 m=39
